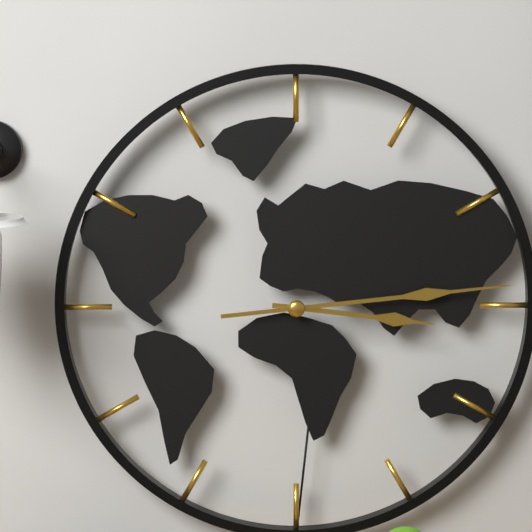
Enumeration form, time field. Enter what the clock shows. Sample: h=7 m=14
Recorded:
h=3 m=14
